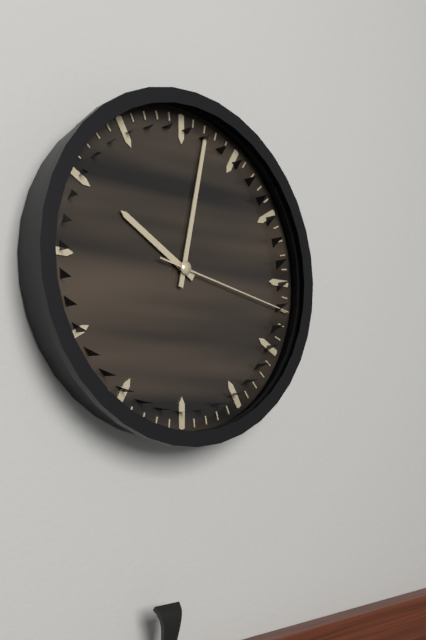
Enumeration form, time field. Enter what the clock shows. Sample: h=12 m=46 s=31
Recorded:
h=10 m=2 s=17
